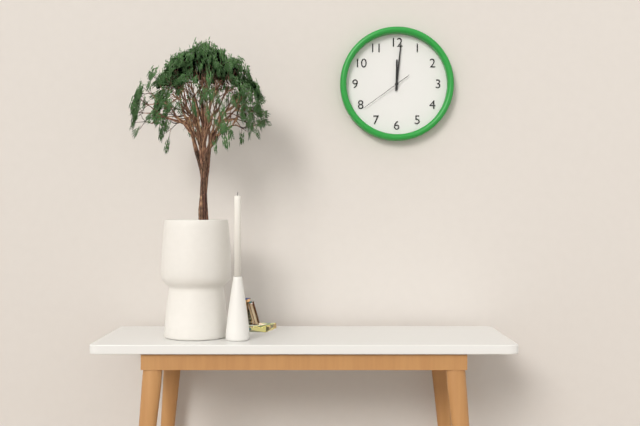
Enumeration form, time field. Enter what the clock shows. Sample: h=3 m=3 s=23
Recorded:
h=12 m=1 s=39
